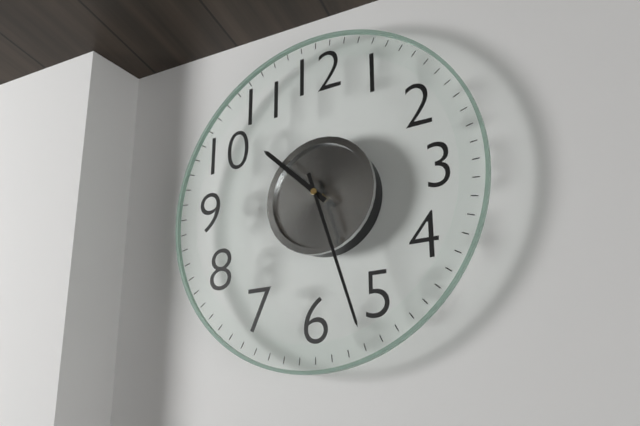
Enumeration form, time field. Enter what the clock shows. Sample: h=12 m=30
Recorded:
h=10 m=27
